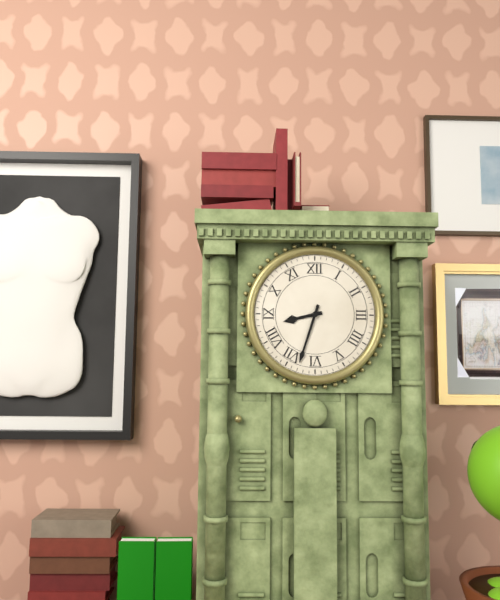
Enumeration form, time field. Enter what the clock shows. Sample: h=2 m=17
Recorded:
h=8 m=33
